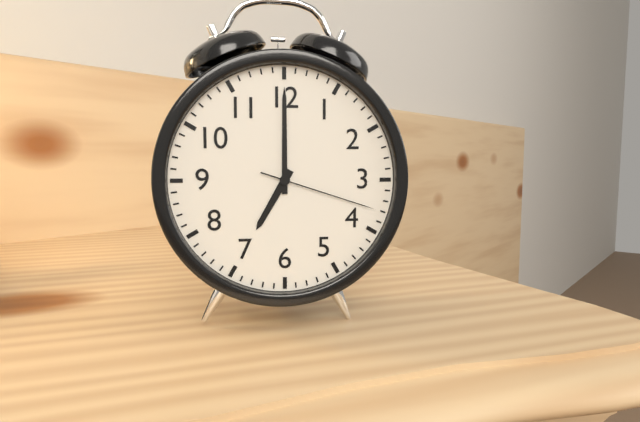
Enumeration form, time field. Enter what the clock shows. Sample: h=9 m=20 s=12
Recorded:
h=7 m=0 s=18
